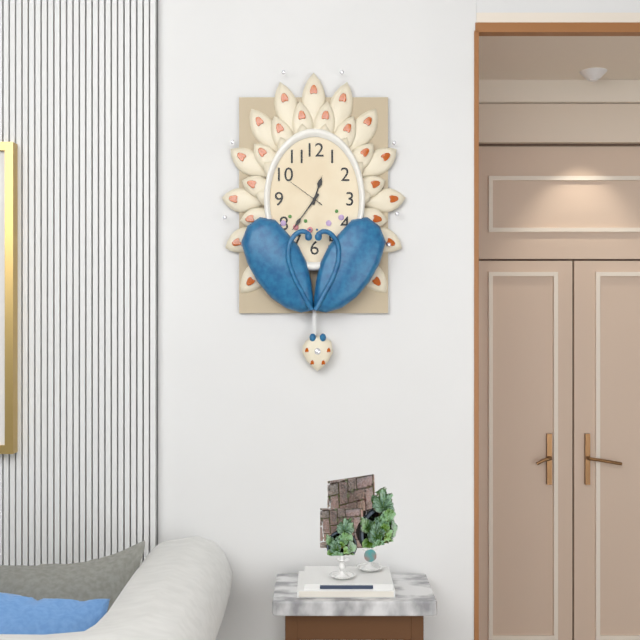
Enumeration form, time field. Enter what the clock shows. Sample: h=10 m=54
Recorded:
h=12 m=36
